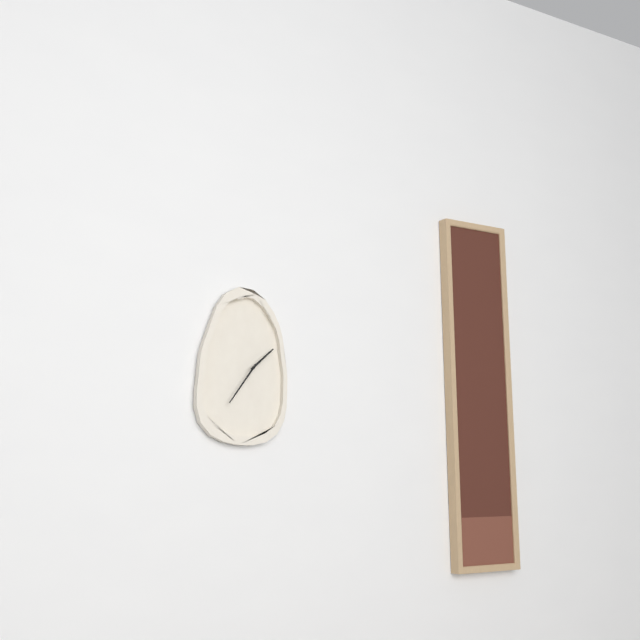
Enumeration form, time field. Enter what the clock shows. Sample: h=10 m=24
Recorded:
h=1 m=36
